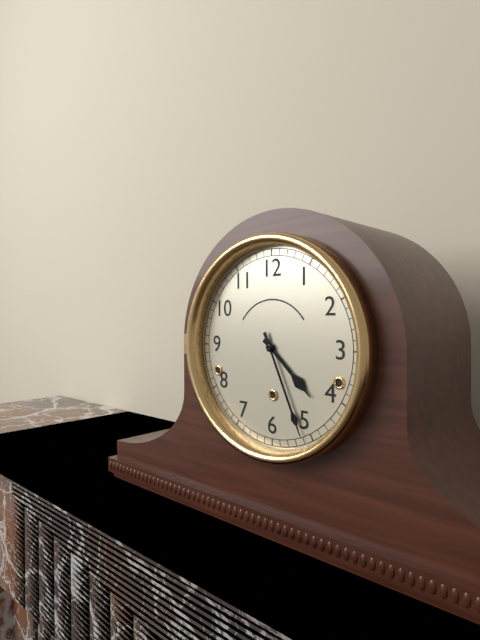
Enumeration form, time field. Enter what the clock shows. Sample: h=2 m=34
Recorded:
h=4 m=26
